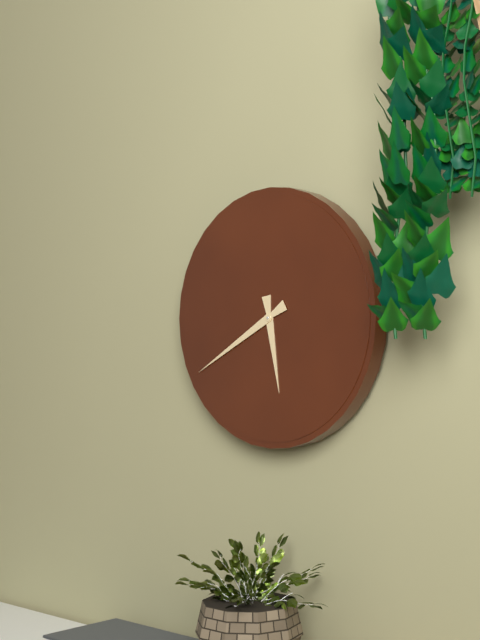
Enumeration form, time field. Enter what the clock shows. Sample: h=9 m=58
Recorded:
h=5 m=40
